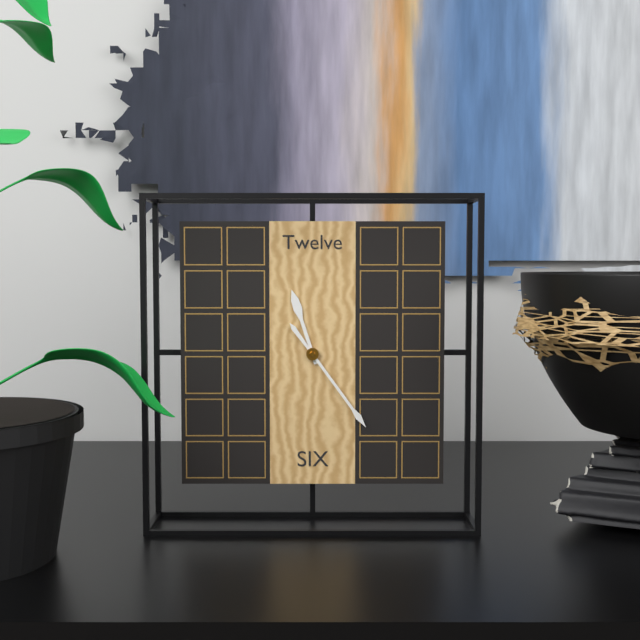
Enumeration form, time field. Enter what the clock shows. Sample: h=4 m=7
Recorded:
h=11 m=24
